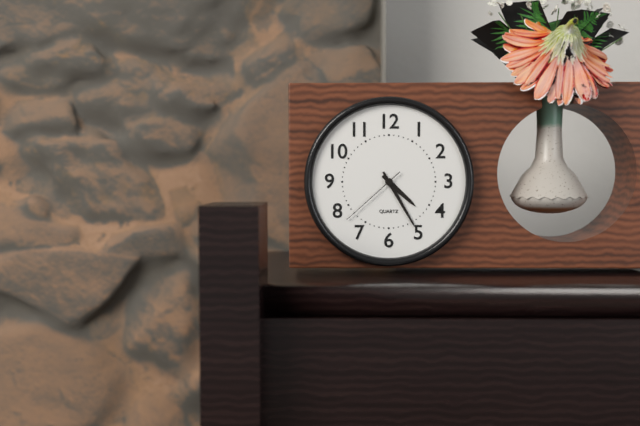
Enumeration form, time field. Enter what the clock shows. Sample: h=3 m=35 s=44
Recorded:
h=4 m=25 s=38
